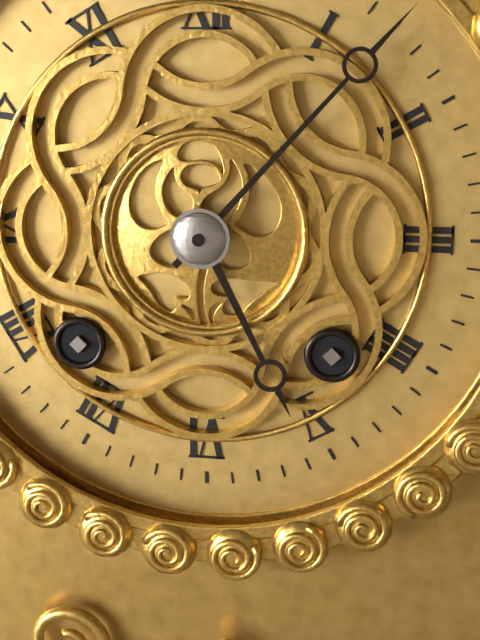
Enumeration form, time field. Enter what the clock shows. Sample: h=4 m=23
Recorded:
h=5 m=7
